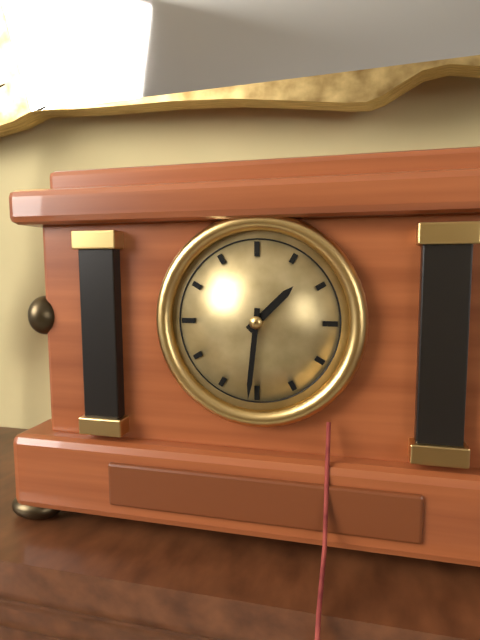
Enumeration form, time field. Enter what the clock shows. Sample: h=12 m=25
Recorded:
h=1 m=31
